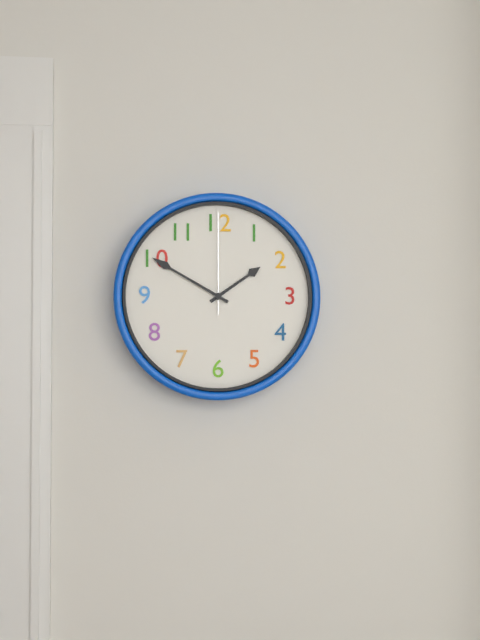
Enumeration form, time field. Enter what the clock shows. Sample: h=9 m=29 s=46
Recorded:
h=1 m=50 s=0
